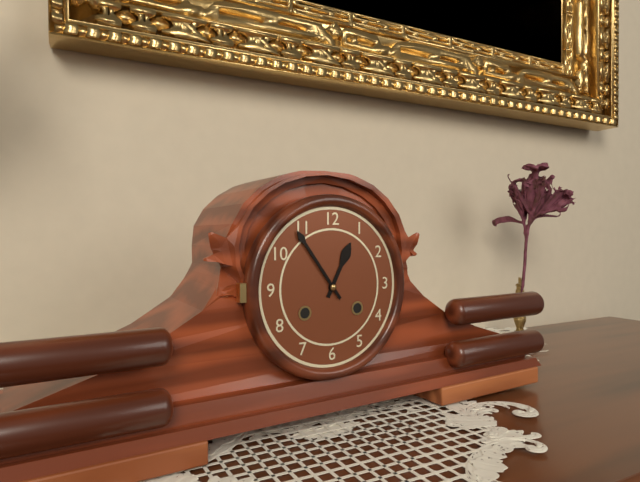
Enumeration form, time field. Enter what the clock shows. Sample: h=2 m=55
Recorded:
h=12 m=54
